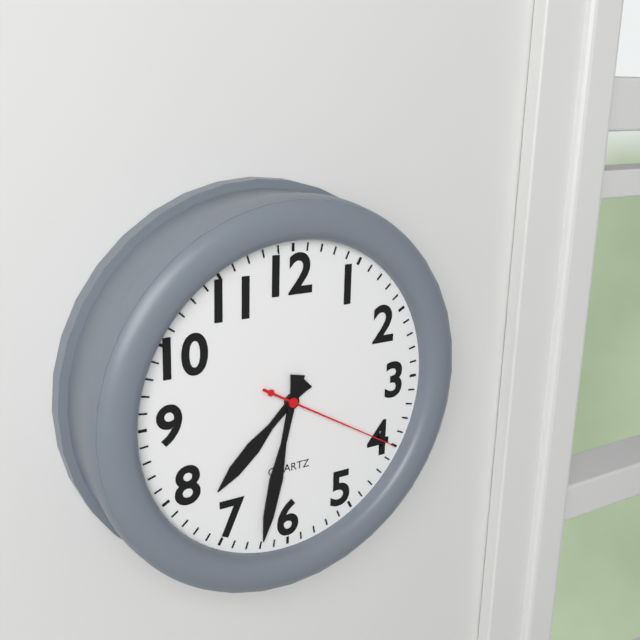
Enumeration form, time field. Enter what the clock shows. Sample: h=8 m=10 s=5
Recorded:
h=7 m=32 s=20
